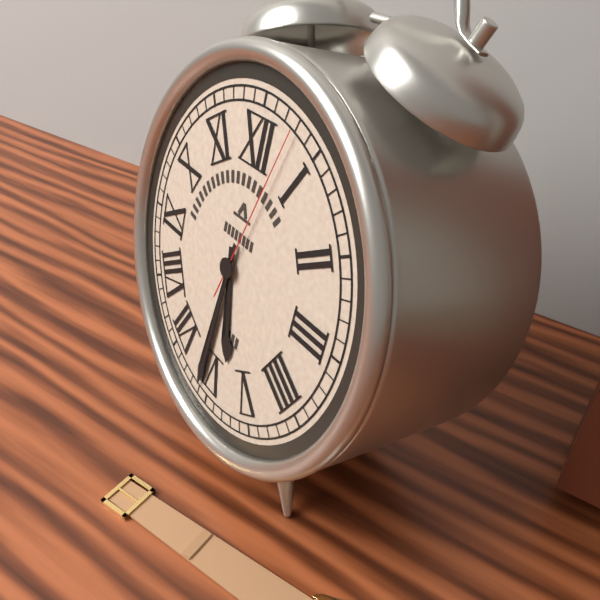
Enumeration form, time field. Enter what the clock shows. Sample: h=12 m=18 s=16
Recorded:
h=5 m=31 s=3
